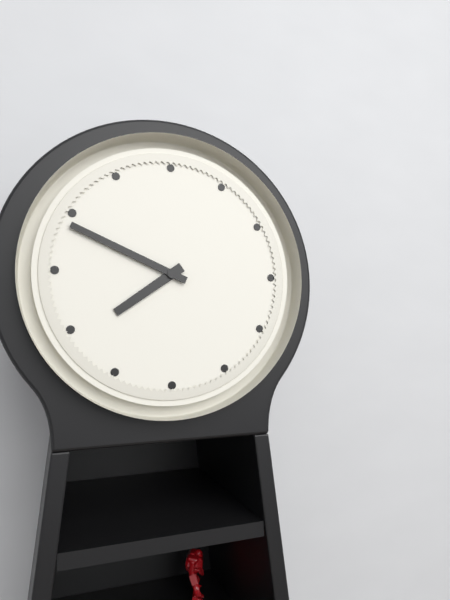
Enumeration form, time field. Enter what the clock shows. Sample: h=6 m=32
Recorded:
h=7 m=49
